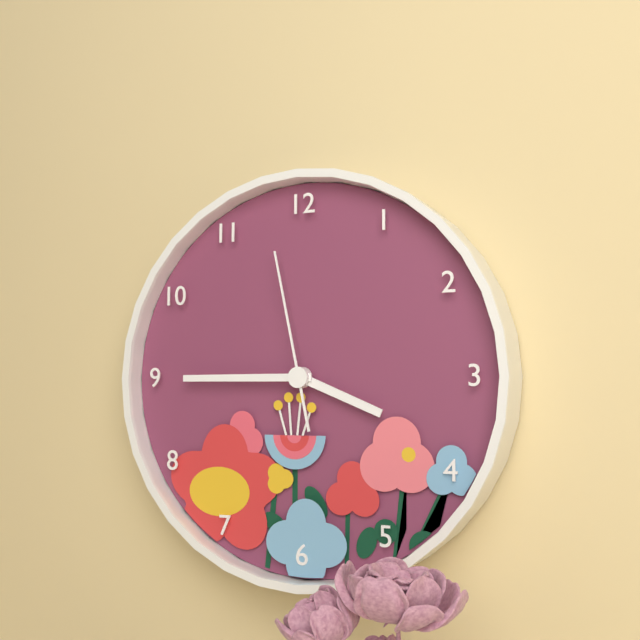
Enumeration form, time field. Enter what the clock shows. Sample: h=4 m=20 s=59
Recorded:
h=3 m=45 s=58
